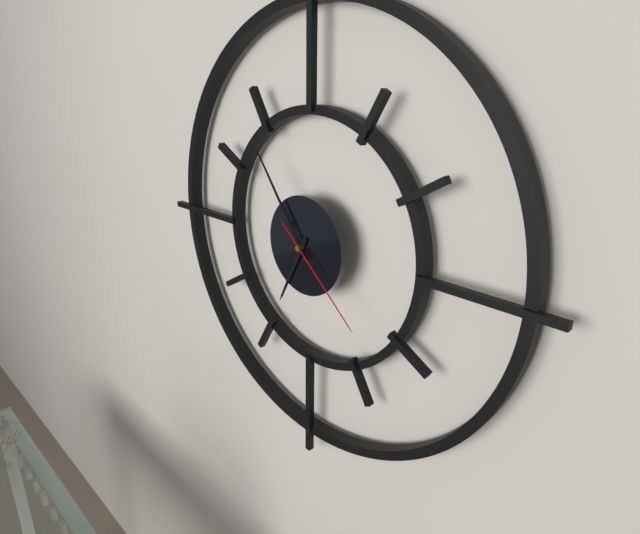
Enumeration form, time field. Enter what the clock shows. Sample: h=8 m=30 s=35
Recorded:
h=6 m=54 s=22
